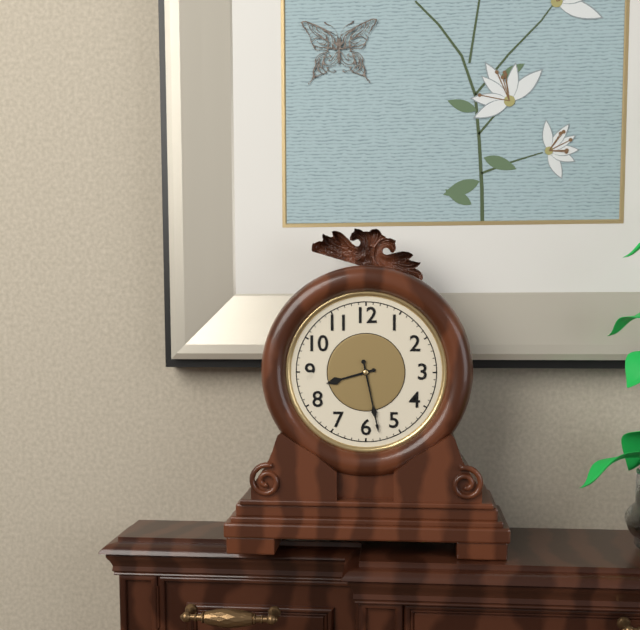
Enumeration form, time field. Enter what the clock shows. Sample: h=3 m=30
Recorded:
h=8 m=28
